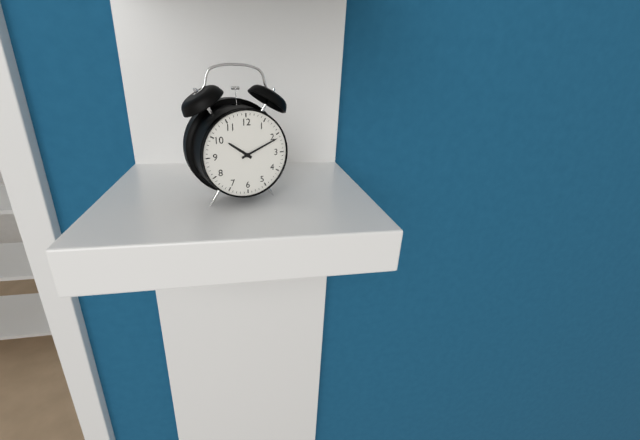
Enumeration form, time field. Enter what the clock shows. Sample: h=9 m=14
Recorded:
h=10 m=11
